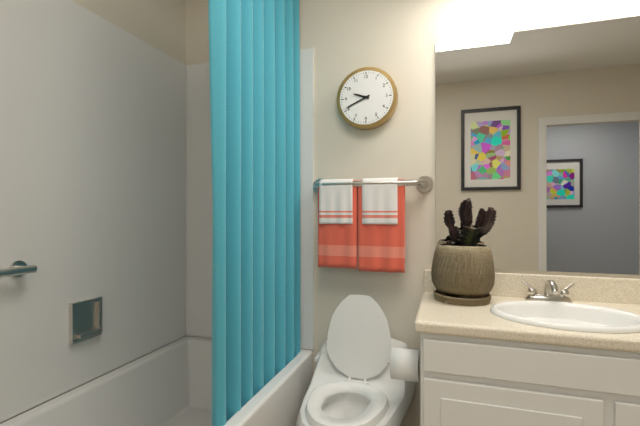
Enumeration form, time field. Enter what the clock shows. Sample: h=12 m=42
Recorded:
h=9 m=41
